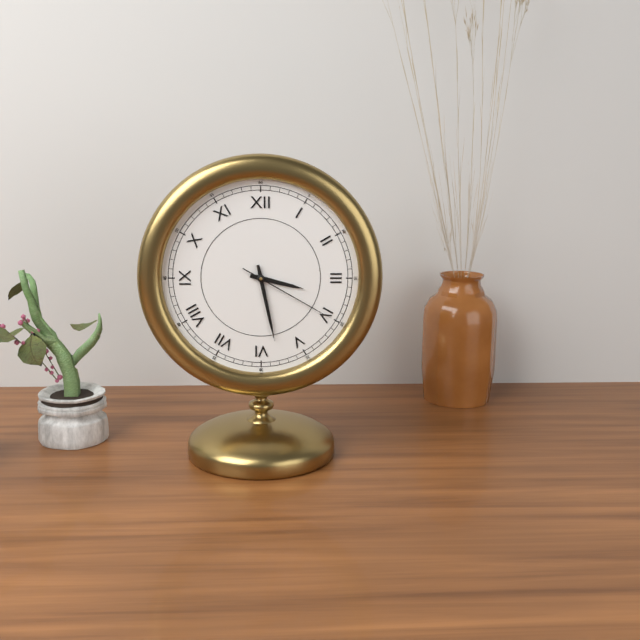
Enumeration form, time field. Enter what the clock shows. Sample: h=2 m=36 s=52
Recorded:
h=3 m=28 s=20
